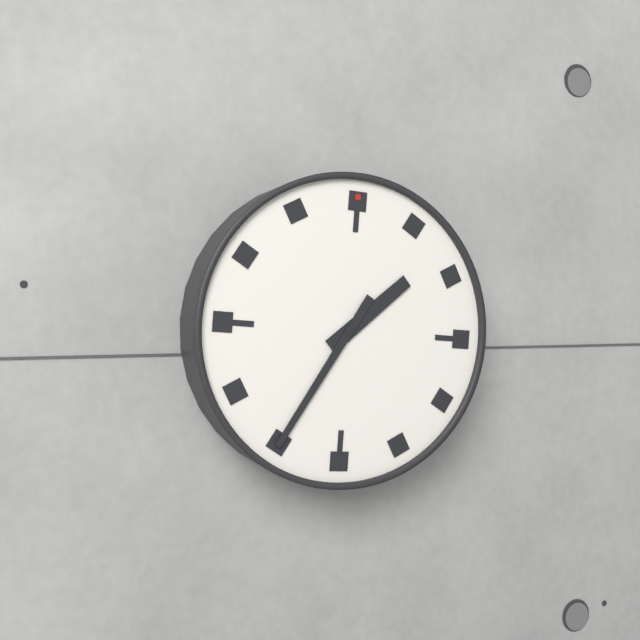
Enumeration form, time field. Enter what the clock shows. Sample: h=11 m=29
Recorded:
h=1 m=35
